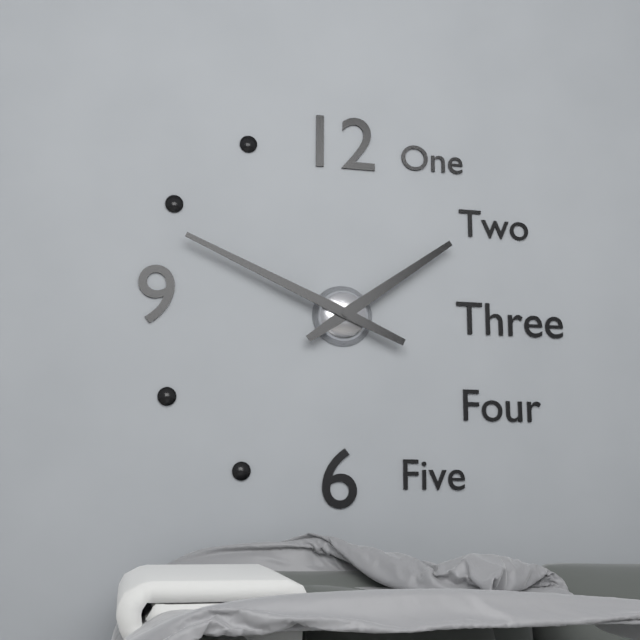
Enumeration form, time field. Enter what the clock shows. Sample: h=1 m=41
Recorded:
h=1 m=49
